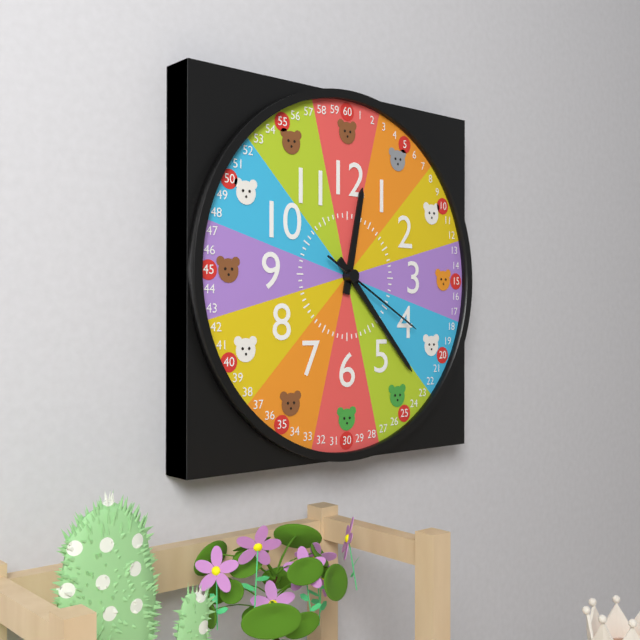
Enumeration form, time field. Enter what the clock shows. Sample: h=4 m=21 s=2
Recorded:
h=12 m=23 s=20
